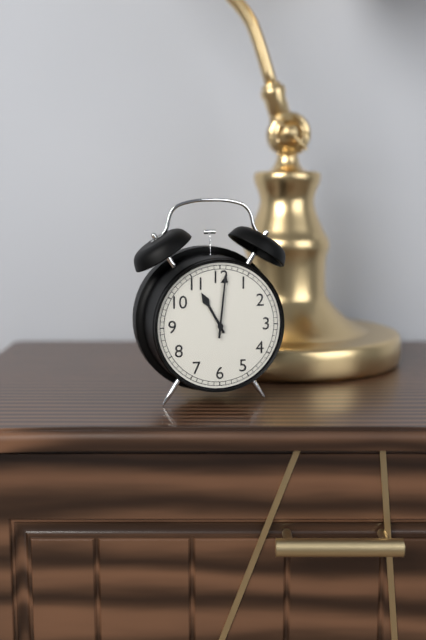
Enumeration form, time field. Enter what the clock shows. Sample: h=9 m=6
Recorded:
h=11 m=1
